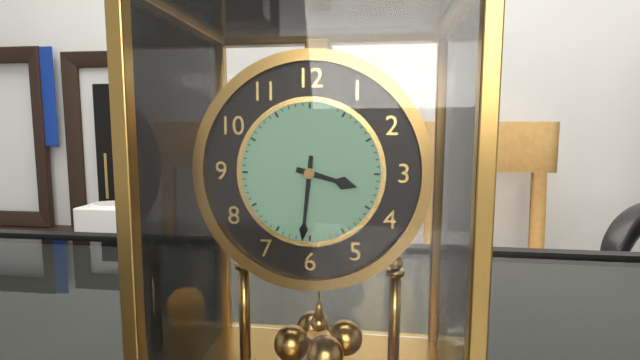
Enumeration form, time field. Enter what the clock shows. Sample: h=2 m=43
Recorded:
h=3 m=31
